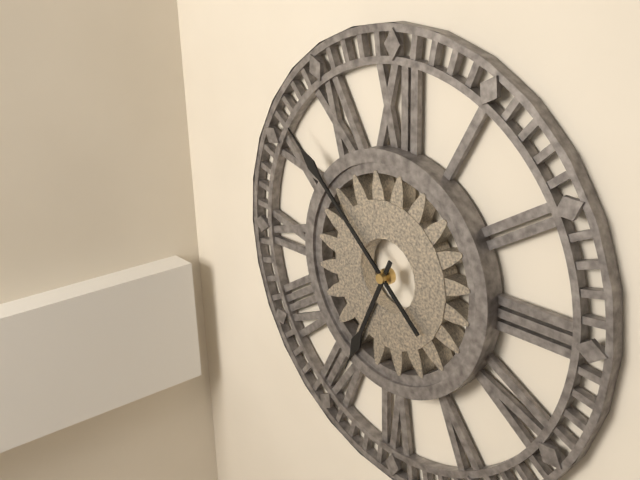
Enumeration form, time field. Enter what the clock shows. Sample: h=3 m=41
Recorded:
h=6 m=52
